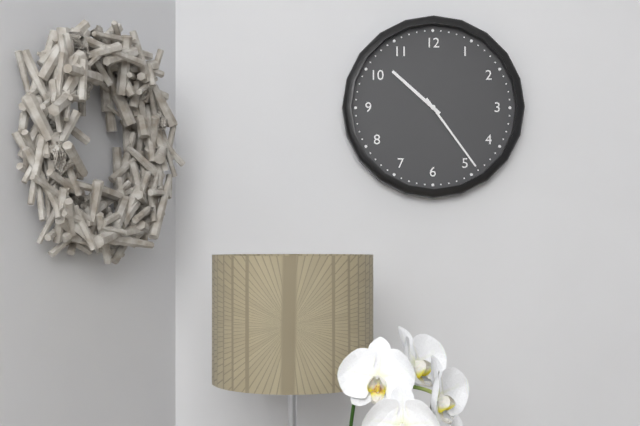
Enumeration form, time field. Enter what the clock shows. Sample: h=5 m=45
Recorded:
h=10 m=24
